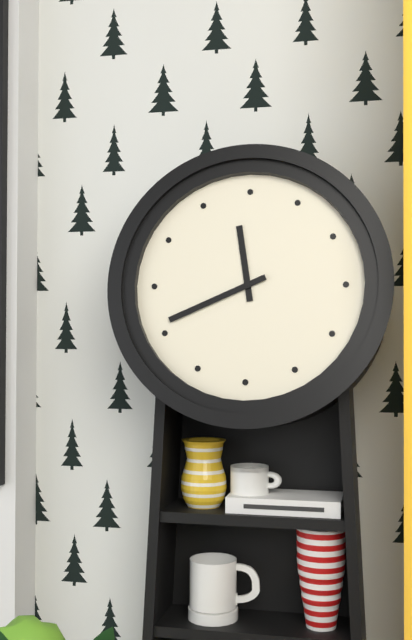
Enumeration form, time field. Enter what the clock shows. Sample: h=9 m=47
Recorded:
h=11 m=41
